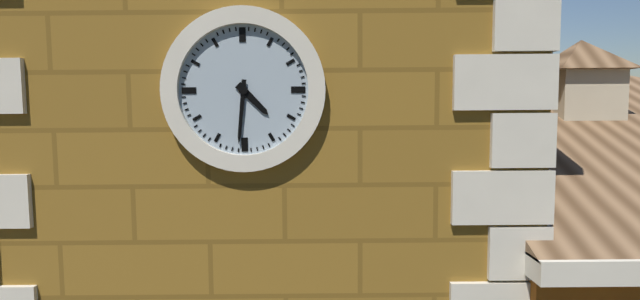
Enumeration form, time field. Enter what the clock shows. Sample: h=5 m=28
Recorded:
h=4 m=31
